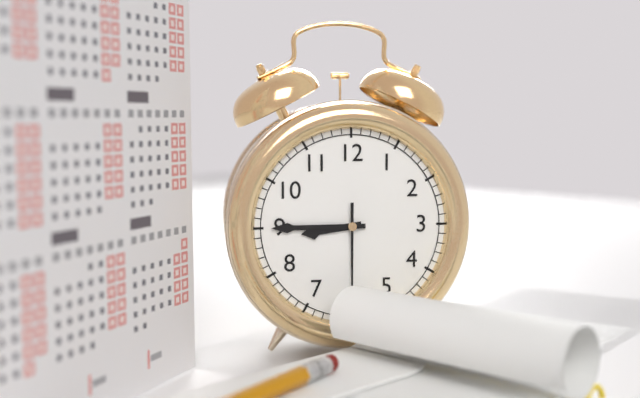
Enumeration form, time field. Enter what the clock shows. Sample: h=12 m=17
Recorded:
h=8 m=45
